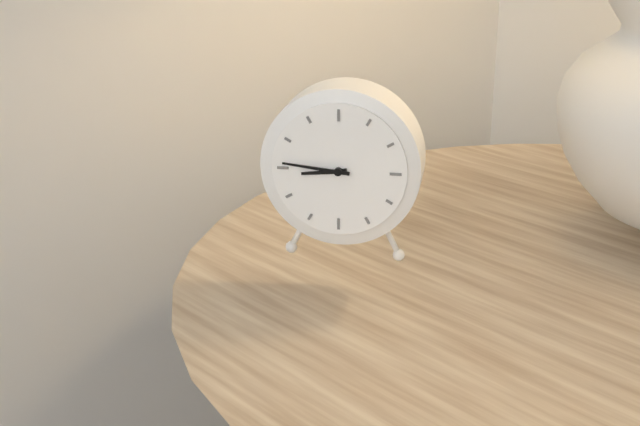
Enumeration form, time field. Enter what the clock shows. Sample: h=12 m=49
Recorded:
h=8 m=46
